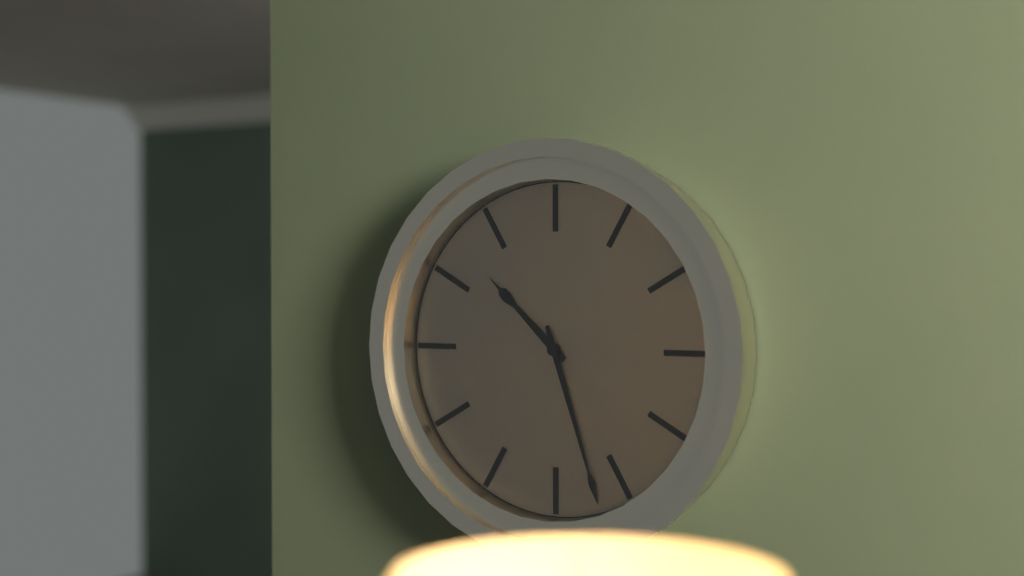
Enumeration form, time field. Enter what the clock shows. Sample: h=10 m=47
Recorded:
h=10 m=27
